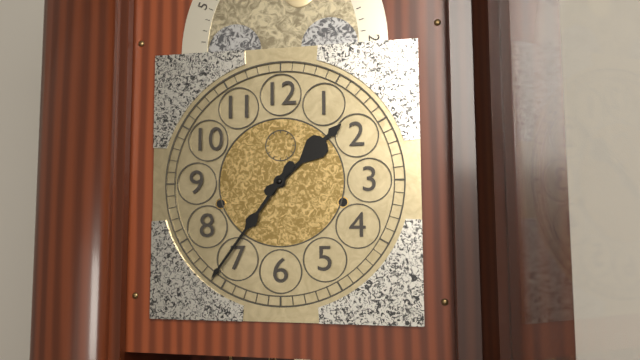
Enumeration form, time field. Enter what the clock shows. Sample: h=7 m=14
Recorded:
h=1 m=36
